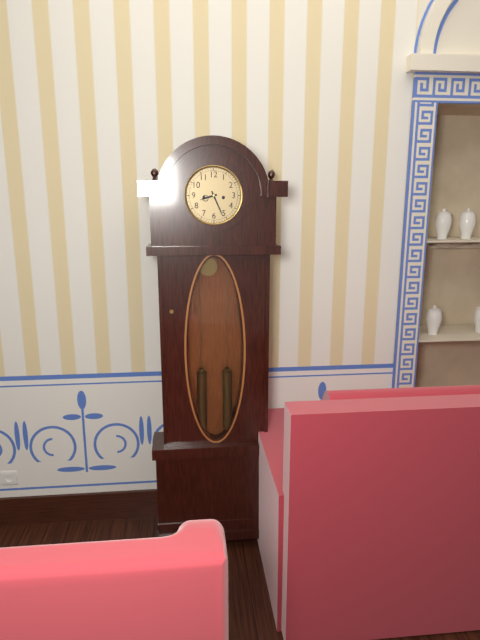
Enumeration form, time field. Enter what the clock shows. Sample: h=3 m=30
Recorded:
h=8 m=26
